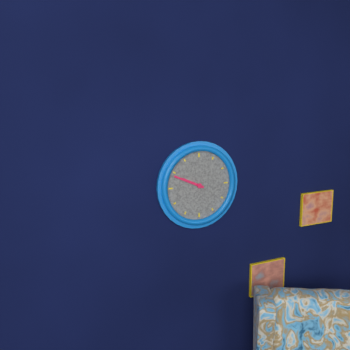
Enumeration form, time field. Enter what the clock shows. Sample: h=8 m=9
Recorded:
h=9 m=49
